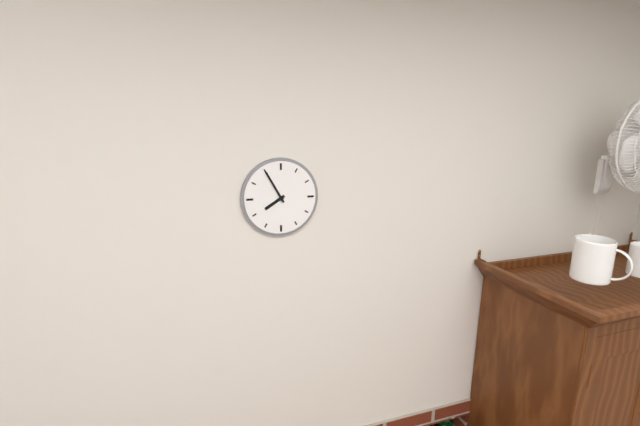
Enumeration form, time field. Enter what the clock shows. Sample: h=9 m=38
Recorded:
h=7 m=55
